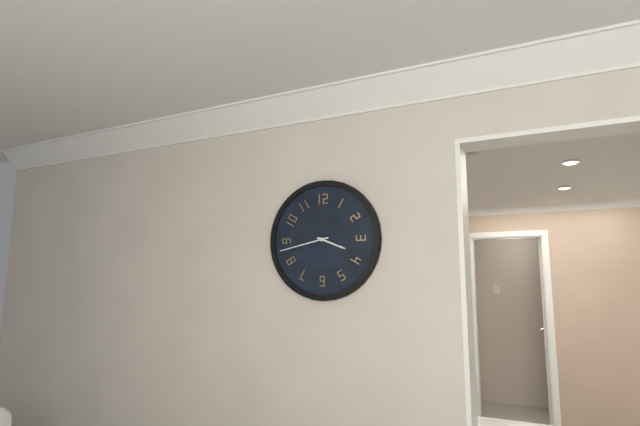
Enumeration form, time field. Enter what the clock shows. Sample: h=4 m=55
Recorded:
h=3 m=43
